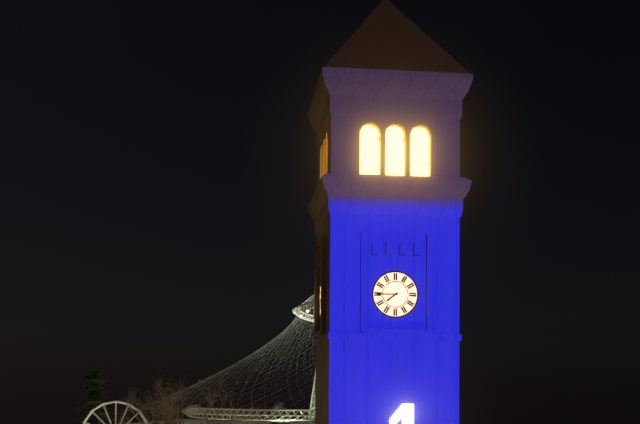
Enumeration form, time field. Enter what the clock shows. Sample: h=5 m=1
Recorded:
h=7 m=45
